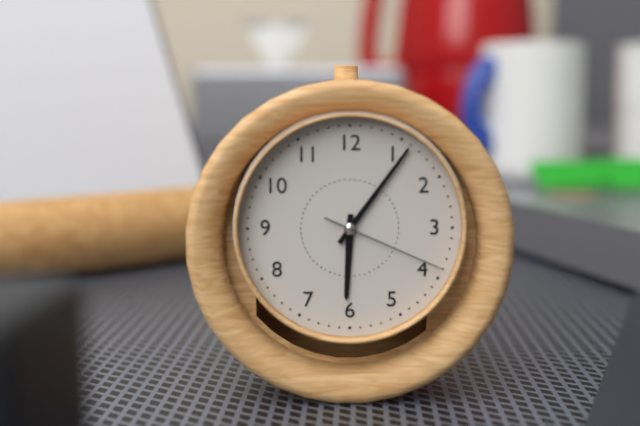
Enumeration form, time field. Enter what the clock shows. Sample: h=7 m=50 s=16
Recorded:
h=6 m=6 s=19
